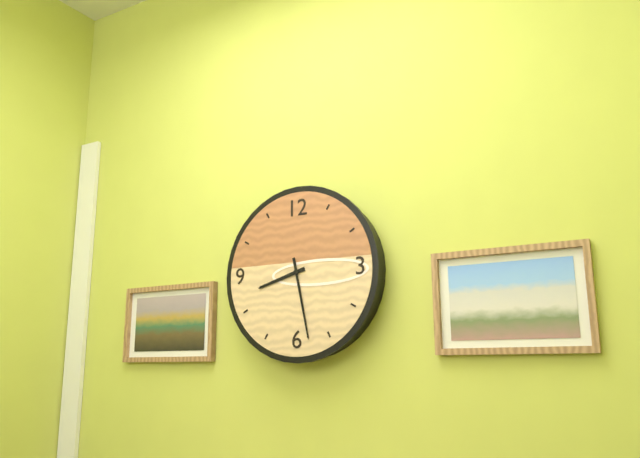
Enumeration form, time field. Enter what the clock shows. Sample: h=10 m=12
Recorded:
h=8 m=28
